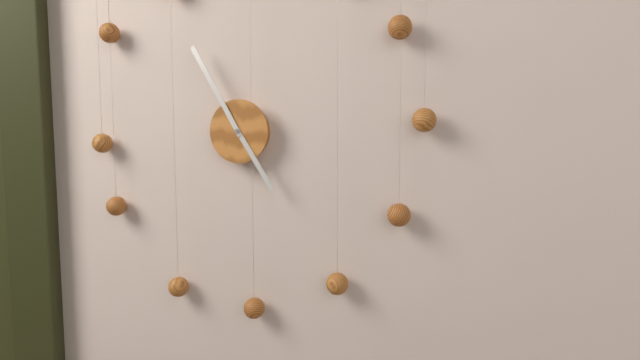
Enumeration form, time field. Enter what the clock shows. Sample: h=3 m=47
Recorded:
h=4 m=55
